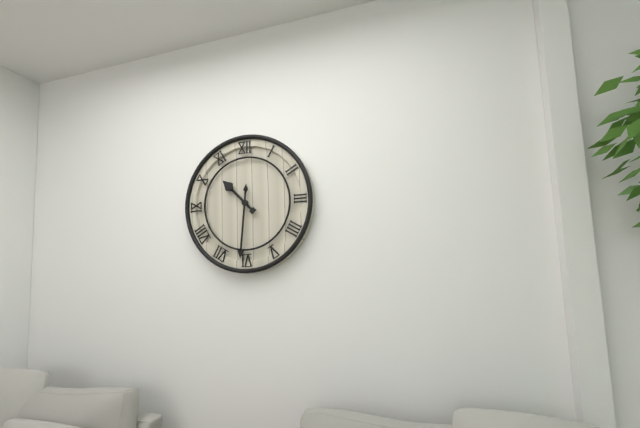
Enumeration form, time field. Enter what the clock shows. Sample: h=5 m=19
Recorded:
h=10 m=31
